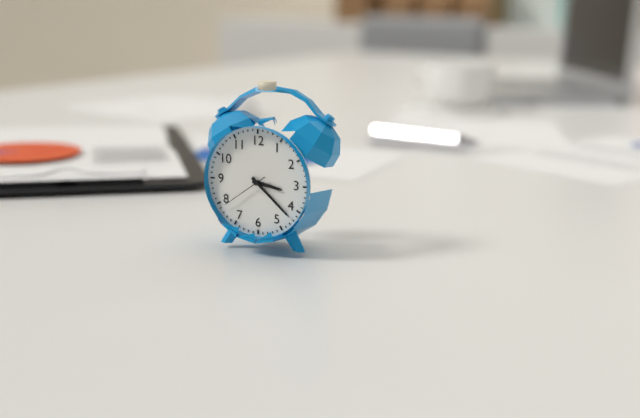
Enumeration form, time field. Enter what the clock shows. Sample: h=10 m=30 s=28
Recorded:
h=3 m=22 s=39
